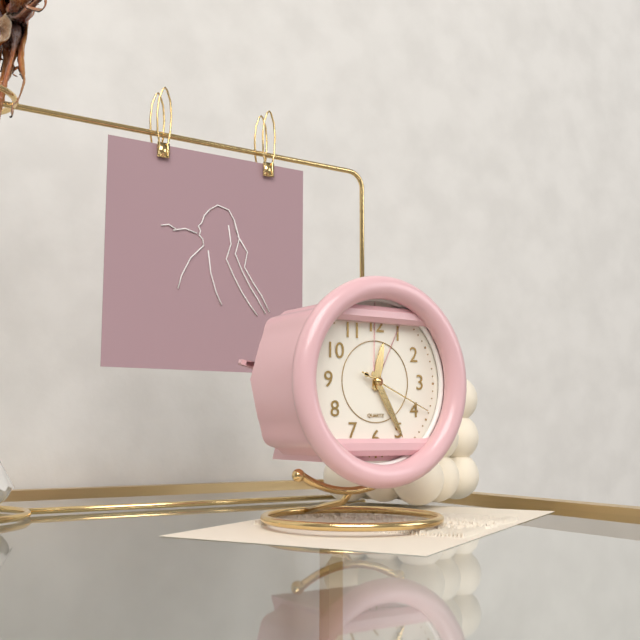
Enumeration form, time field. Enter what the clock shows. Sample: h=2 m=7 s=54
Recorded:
h=12 m=25 s=19
